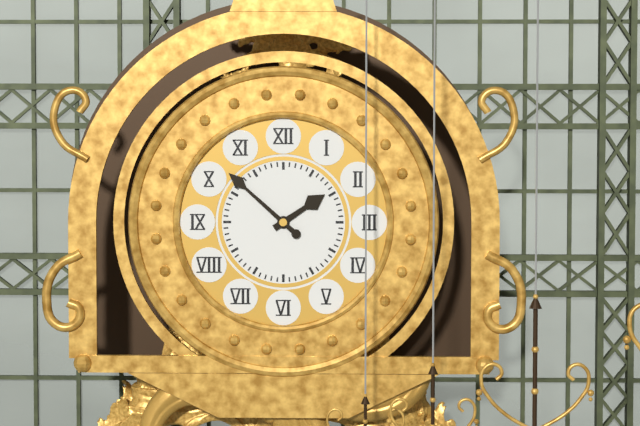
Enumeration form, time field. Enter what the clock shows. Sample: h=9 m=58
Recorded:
h=1 m=52
